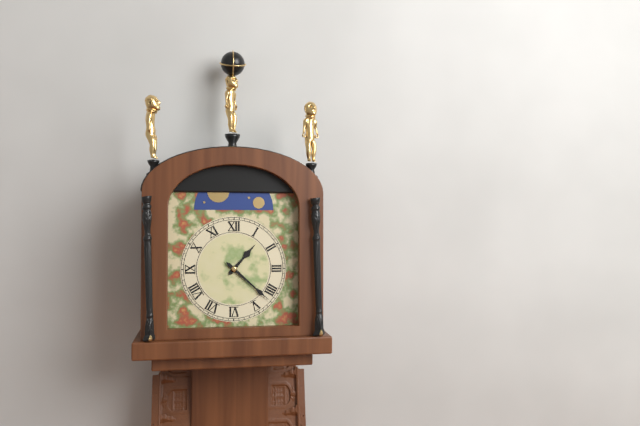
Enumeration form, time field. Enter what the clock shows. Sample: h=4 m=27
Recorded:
h=1 m=22
